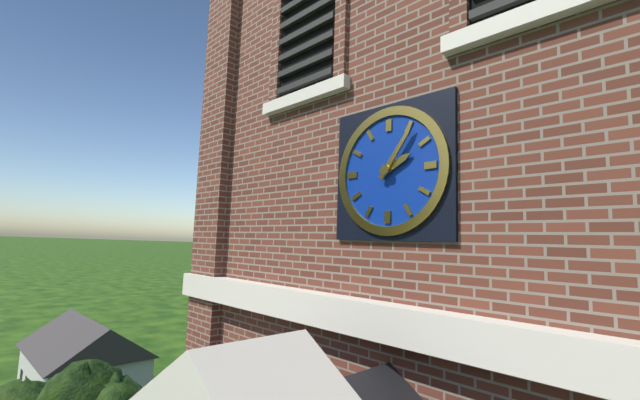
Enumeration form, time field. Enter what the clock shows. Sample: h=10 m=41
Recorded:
h=2 m=6
